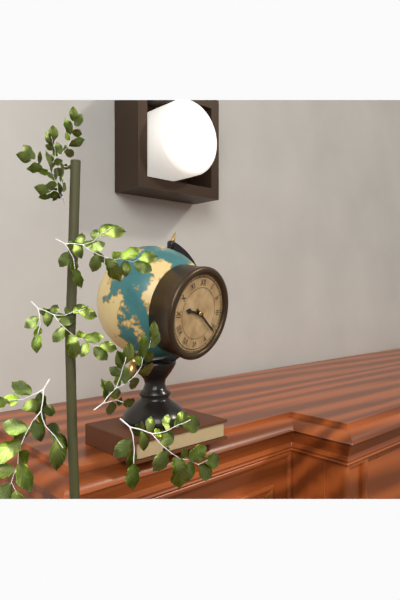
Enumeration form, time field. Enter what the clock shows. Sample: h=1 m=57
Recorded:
h=9 m=21
